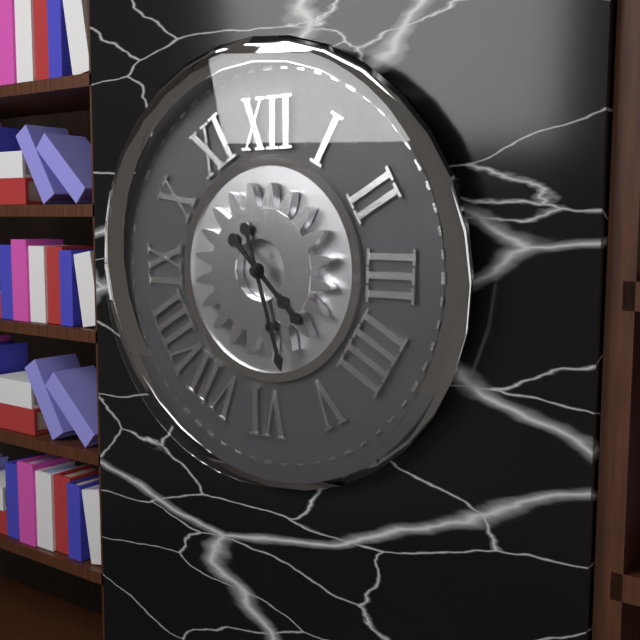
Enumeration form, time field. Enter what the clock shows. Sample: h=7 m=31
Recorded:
h=4 m=27
